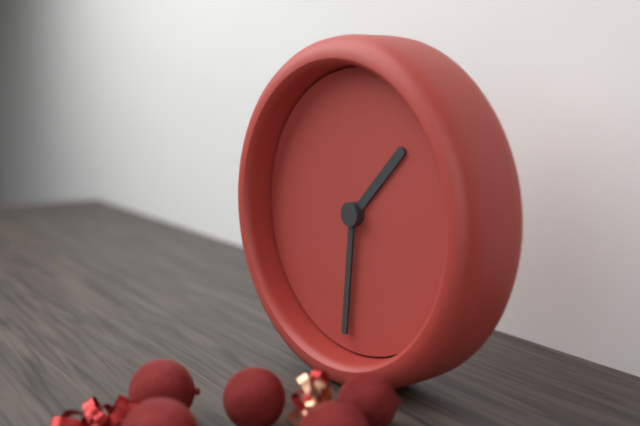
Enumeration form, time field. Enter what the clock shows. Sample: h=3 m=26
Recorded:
h=1 m=31
